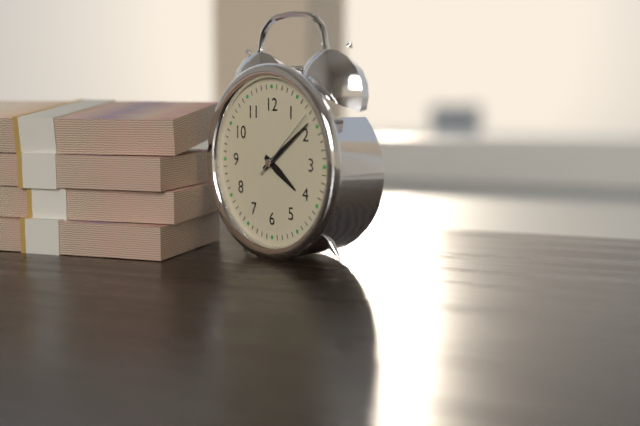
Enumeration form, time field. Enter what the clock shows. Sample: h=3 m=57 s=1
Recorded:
h=4 m=9 s=8
